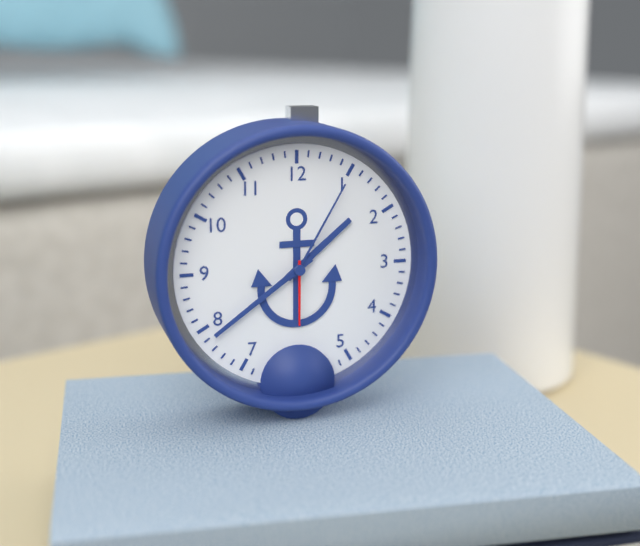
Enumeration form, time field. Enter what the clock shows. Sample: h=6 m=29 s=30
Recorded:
h=1 m=39 s=30
